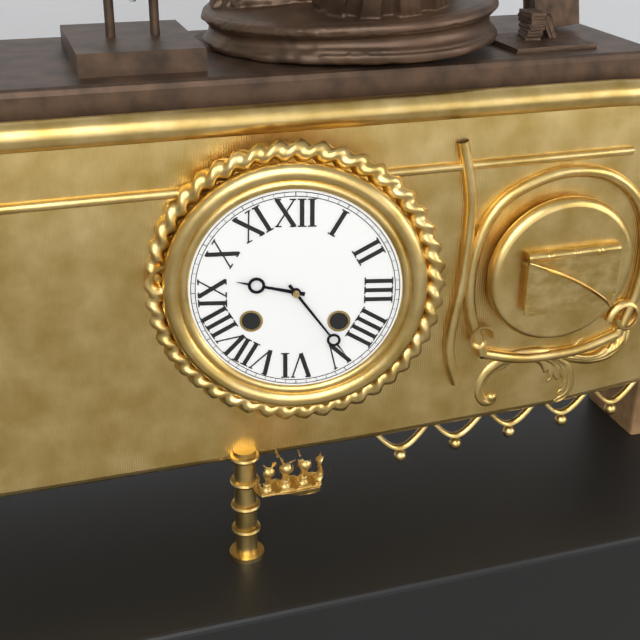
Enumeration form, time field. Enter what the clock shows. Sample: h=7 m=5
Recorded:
h=9 m=24
